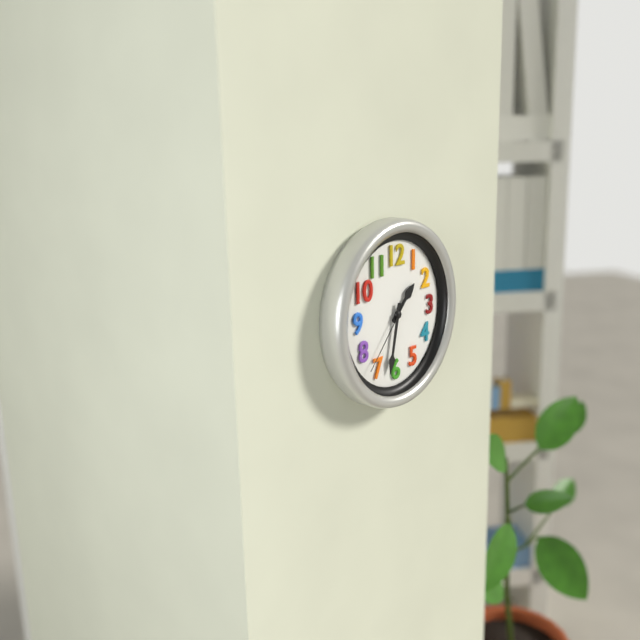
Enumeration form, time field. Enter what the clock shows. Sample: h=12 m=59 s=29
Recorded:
h=1 m=32 s=37
